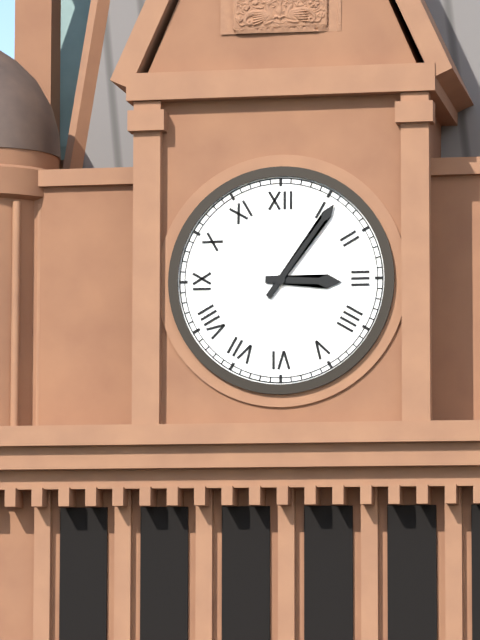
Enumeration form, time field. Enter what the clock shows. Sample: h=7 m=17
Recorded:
h=3 m=6
